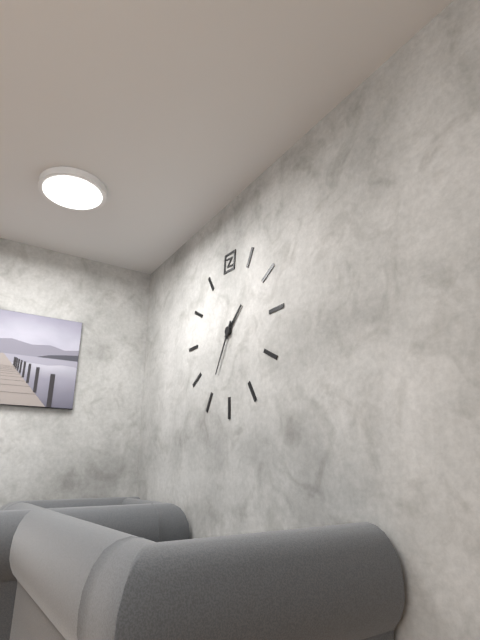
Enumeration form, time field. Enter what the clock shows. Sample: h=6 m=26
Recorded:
h=1 m=35
